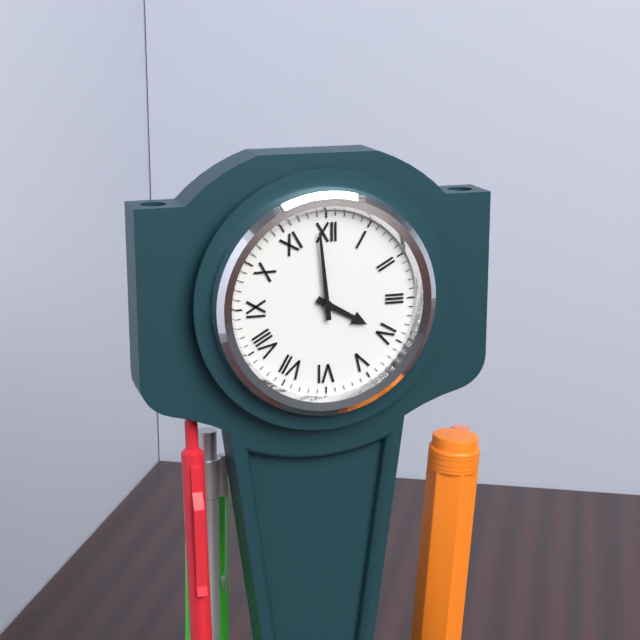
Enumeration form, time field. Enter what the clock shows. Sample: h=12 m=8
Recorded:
h=3 m=59
